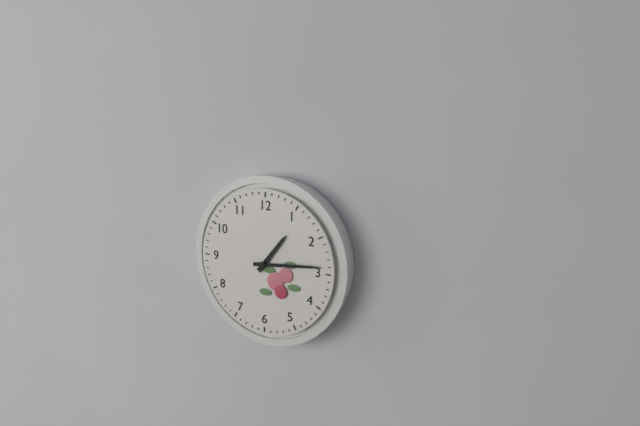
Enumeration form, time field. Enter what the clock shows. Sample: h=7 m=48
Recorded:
h=1 m=14
